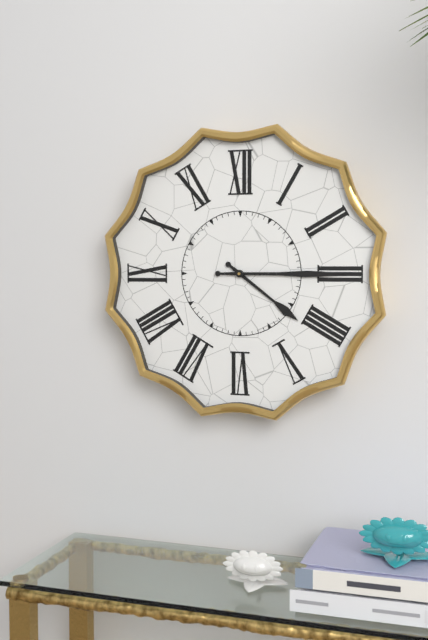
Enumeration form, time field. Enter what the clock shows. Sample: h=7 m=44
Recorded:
h=4 m=15
